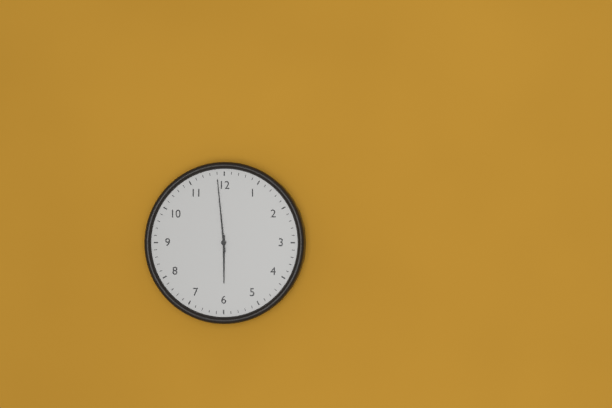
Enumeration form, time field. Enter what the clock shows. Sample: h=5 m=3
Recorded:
h=5 m=59
